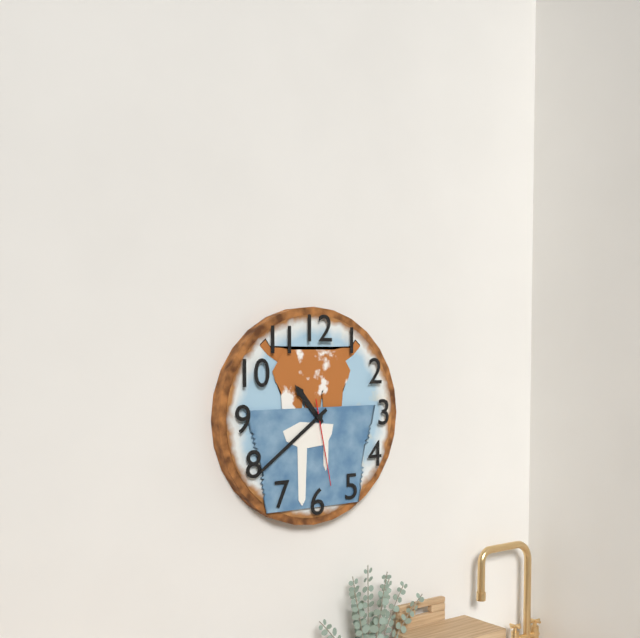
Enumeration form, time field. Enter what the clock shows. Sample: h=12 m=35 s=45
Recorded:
h=10 m=39 s=28
